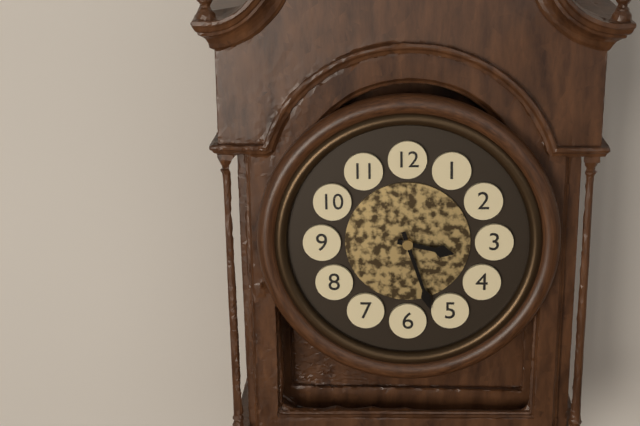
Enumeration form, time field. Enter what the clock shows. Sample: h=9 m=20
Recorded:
h=3 m=27
